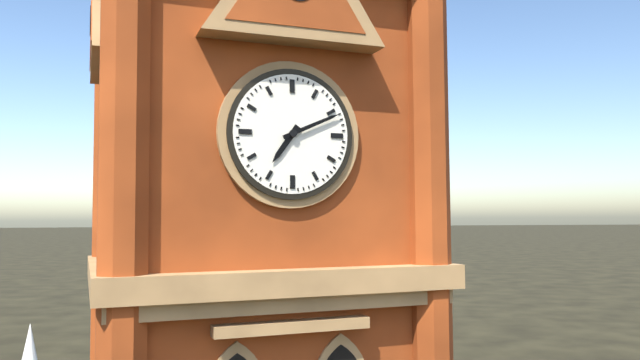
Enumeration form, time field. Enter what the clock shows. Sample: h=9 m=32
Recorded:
h=7 m=11
